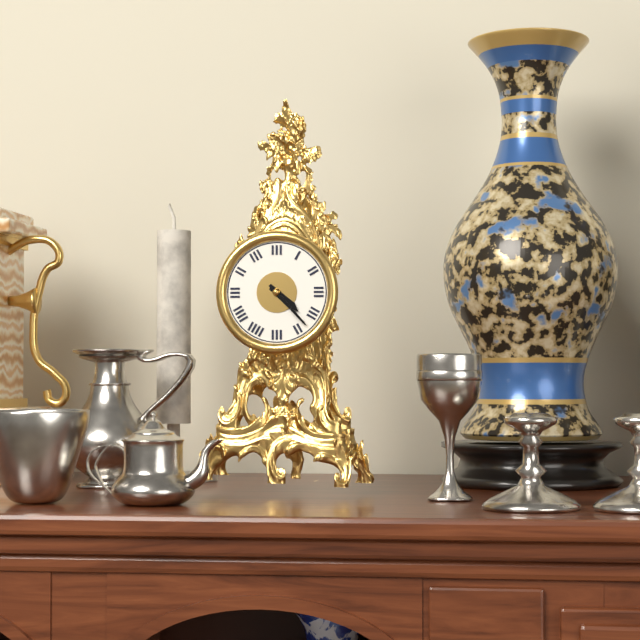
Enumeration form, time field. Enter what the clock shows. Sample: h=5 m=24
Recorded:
h=4 m=23
